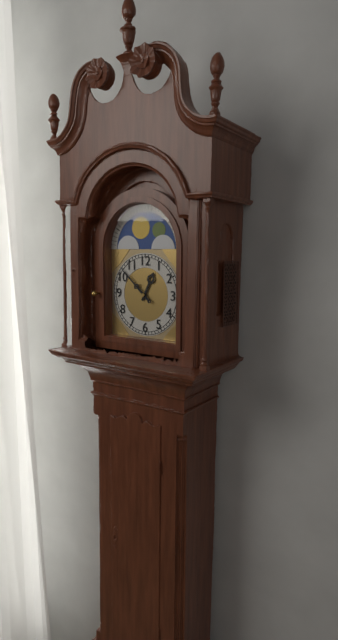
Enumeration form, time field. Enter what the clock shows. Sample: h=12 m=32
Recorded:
h=12 m=52
